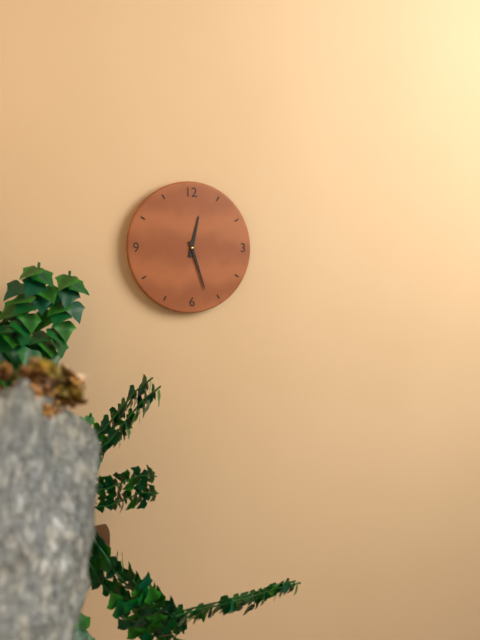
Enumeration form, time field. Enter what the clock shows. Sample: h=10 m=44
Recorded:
h=12 m=27
